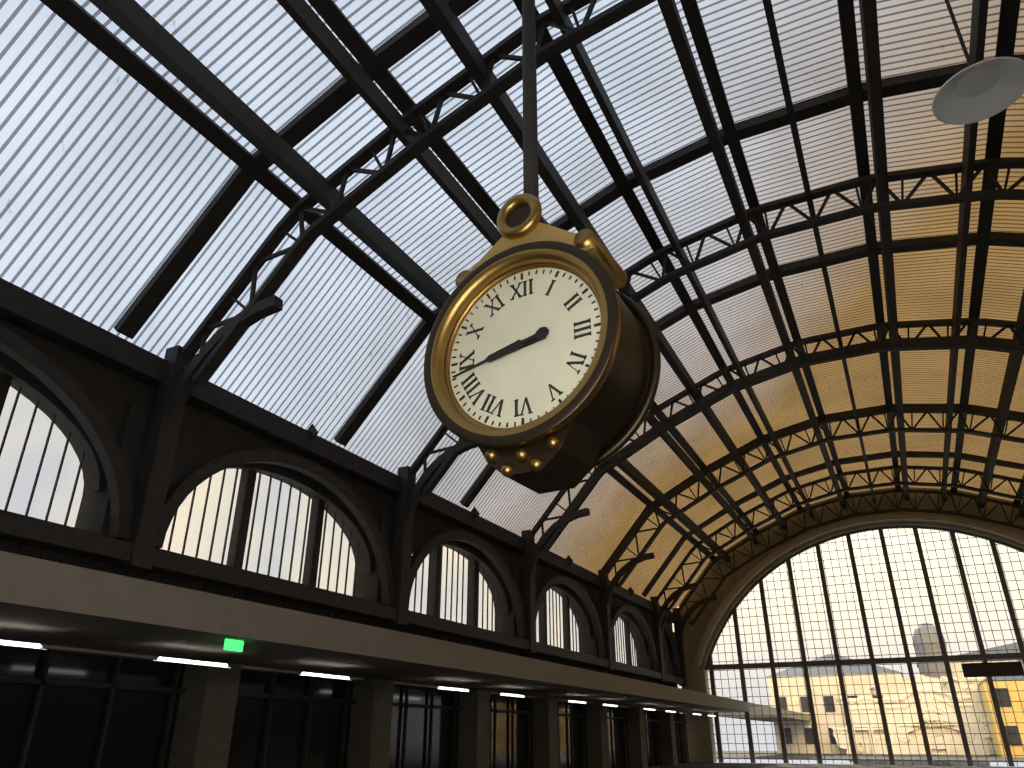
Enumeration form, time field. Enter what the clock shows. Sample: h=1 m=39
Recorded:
h=8 m=43
